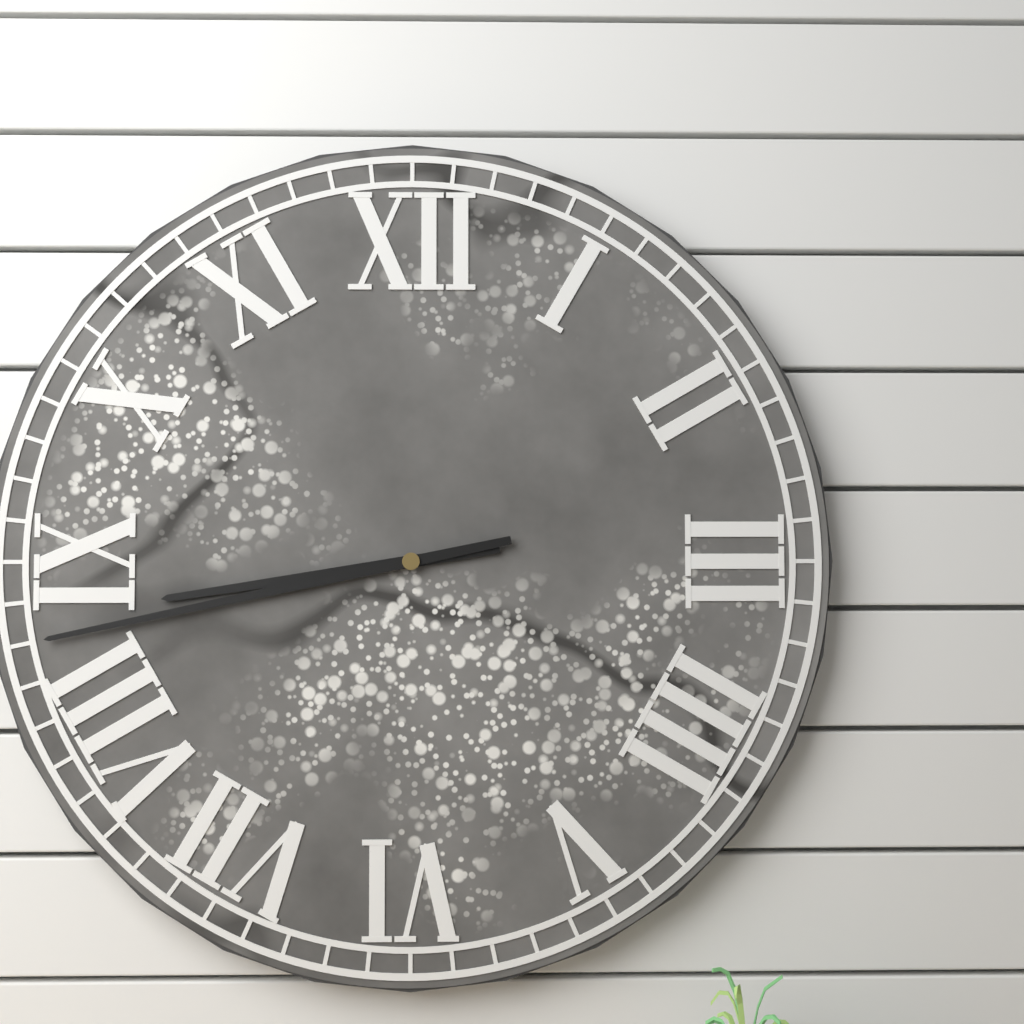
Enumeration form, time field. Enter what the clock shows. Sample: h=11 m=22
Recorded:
h=8 m=43
